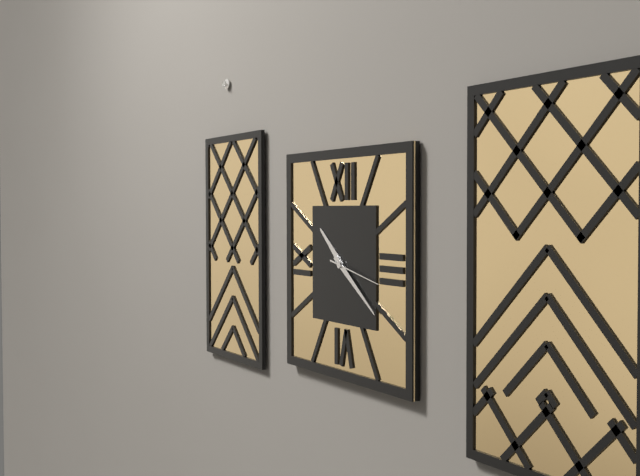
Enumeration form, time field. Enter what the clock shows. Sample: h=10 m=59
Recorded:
h=10 m=21
